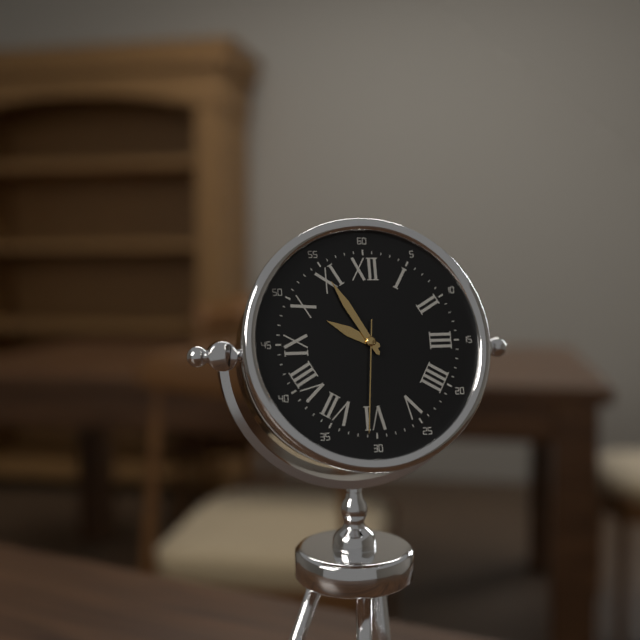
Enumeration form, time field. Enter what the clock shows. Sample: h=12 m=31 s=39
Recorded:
h=9 m=55 s=31
